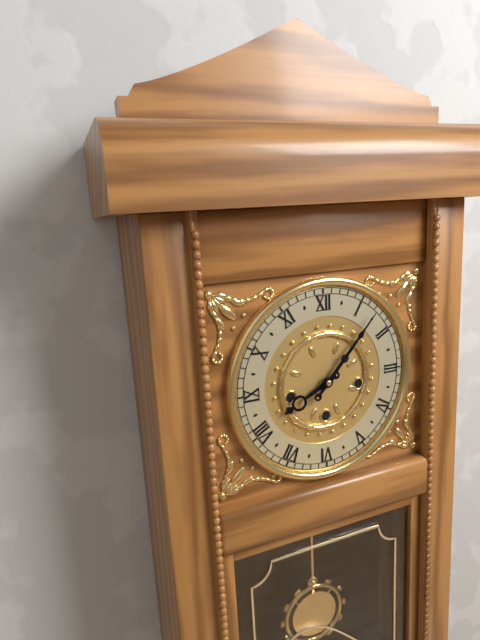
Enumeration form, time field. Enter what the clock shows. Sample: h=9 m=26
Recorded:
h=8 m=7
